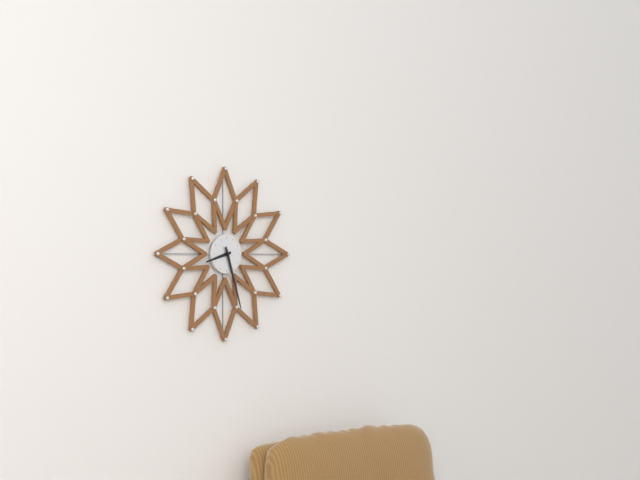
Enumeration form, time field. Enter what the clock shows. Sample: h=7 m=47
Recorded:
h=8 m=27
